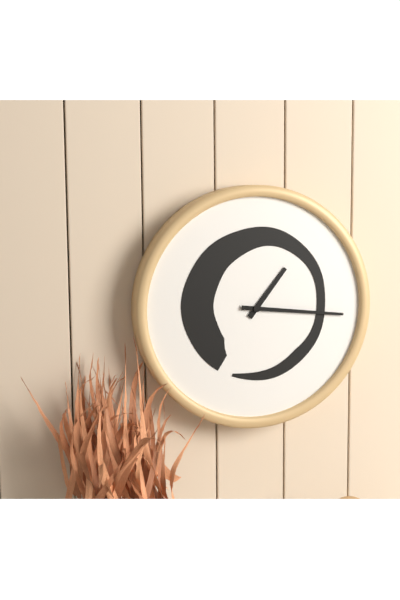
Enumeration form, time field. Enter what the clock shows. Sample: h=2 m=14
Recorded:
h=1 m=16
